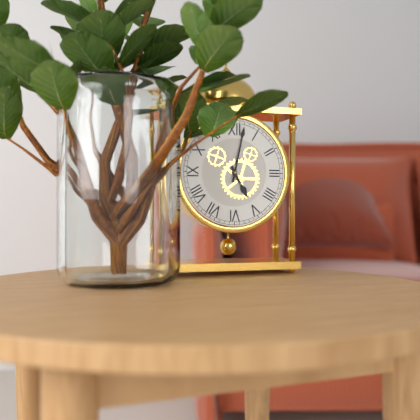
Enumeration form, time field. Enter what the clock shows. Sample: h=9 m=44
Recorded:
h=5 m=2
